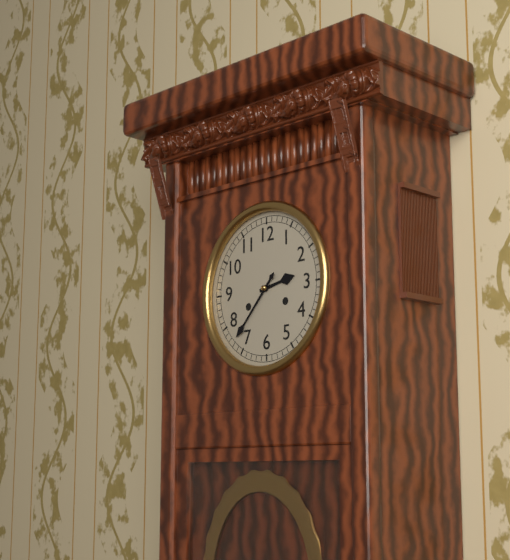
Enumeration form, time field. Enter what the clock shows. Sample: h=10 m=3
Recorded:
h=2 m=37
